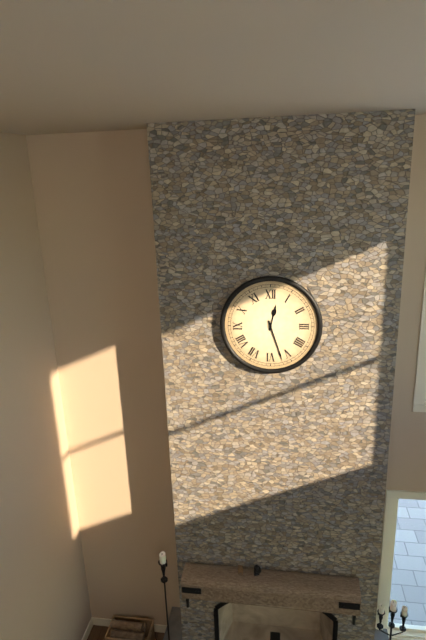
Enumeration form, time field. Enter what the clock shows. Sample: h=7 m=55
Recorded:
h=12 m=27
